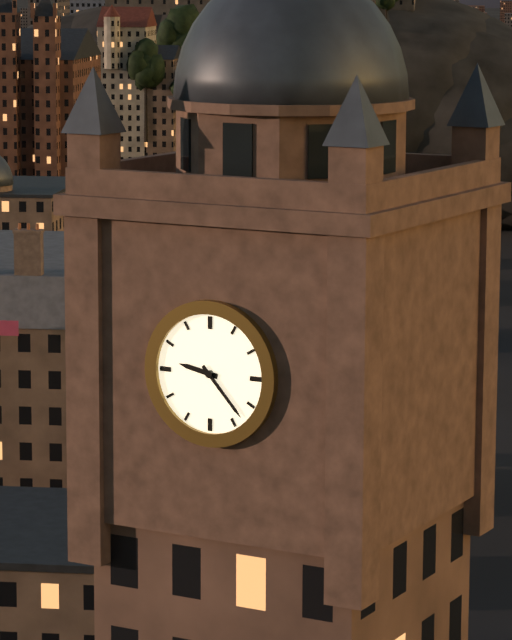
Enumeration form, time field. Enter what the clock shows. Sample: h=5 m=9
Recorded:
h=9 m=23
